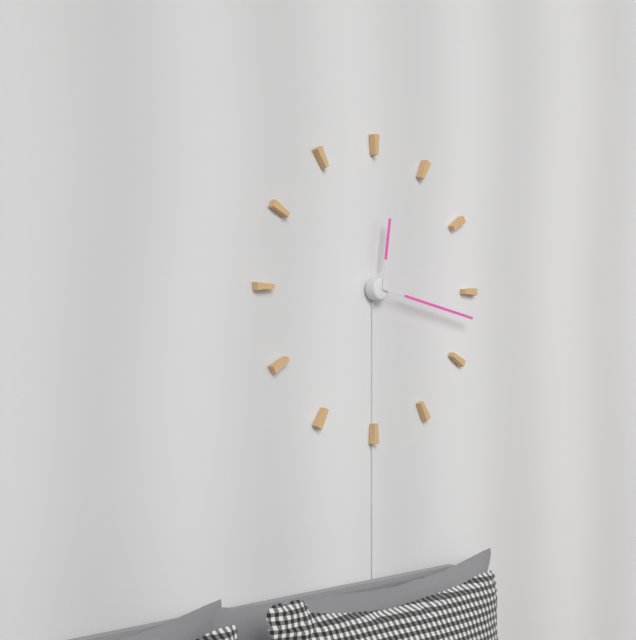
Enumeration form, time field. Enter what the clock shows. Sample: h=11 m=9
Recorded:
h=12 m=17
